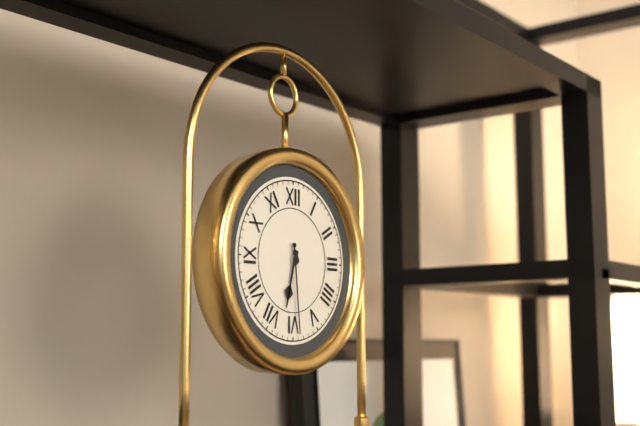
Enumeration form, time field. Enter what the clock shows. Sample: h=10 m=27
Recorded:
h=6 m=29
